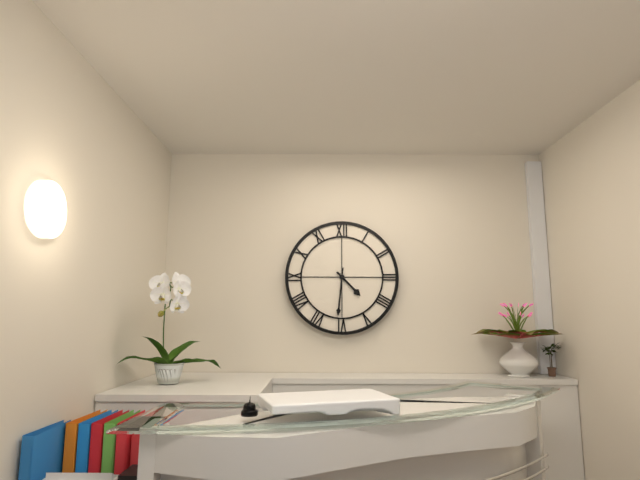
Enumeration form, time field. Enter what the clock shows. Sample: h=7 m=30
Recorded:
h=4 m=31
